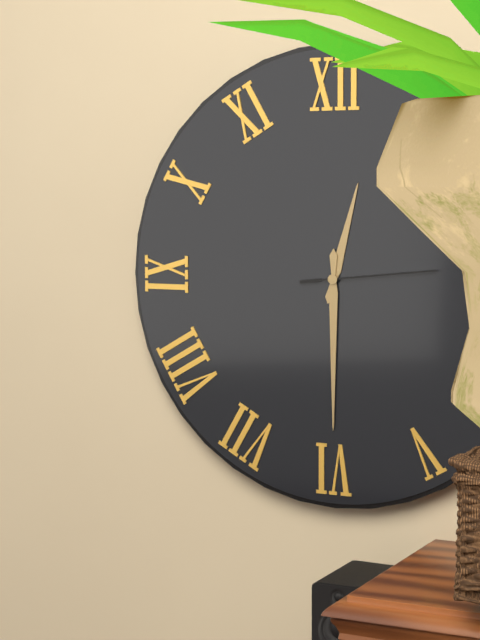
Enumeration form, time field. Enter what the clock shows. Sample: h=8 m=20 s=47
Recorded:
h=12 m=30 s=14
